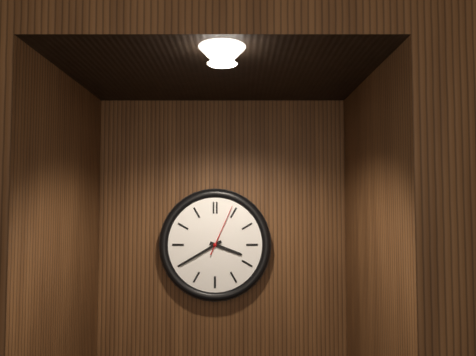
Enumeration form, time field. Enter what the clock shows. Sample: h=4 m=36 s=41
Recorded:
h=3 m=40 s=4
